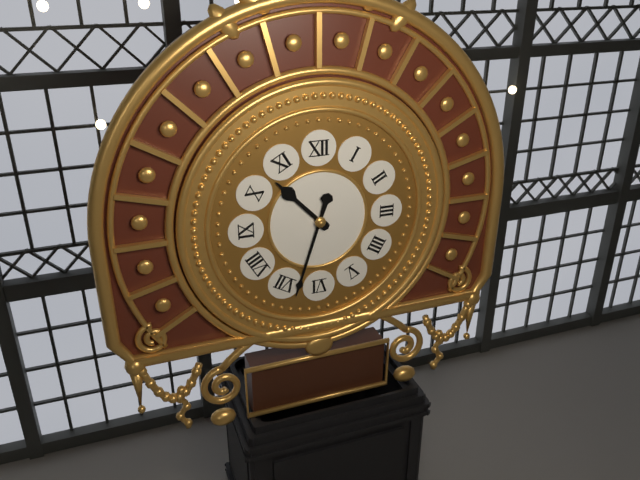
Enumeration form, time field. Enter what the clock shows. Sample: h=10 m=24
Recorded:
h=10 m=33
